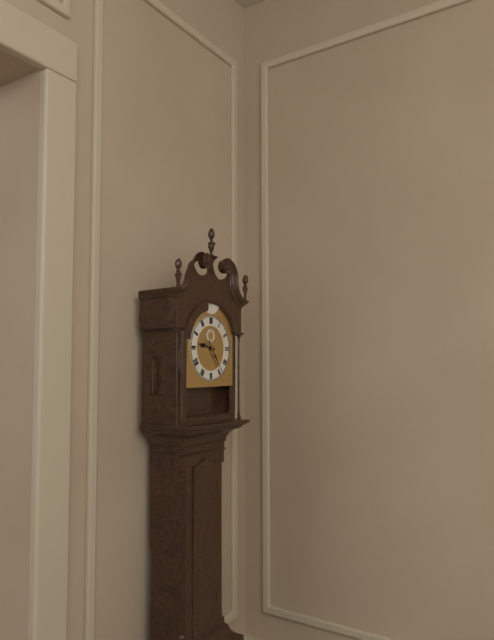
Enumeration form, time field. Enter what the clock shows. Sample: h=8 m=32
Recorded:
h=9 m=24
